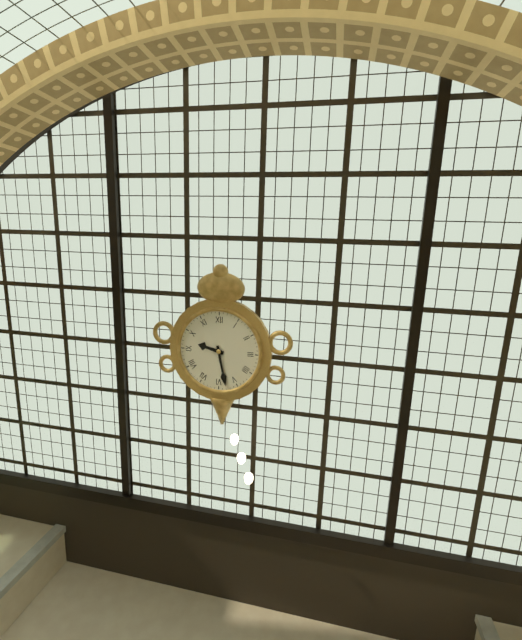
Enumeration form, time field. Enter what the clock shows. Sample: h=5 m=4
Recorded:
h=9 m=28
